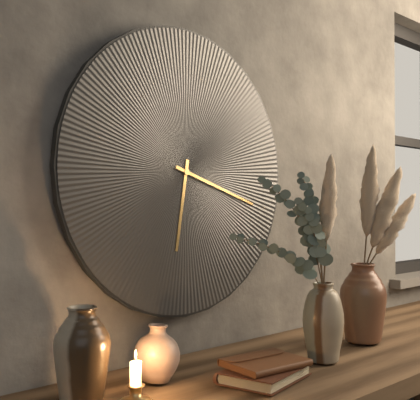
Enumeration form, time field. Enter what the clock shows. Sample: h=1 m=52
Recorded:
h=6 m=18
